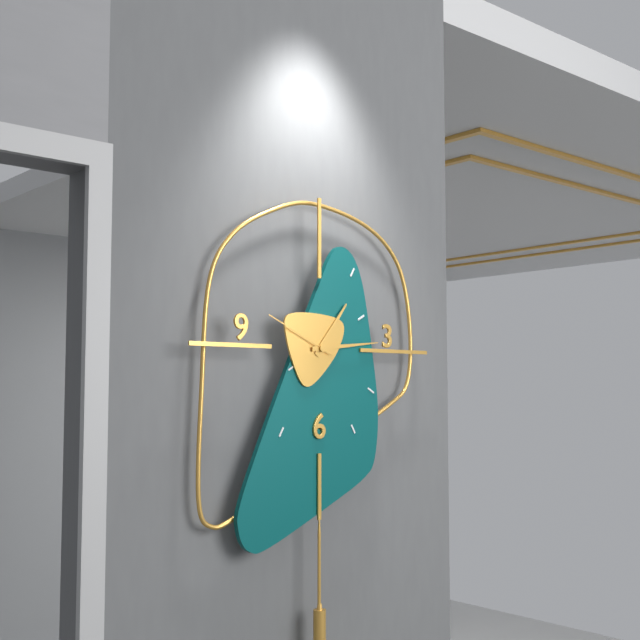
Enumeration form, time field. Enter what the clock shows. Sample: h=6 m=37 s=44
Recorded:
h=1 m=14 s=49
